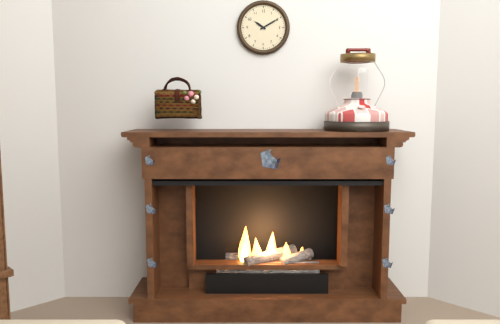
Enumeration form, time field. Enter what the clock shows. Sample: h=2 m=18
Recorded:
h=10 m=10
